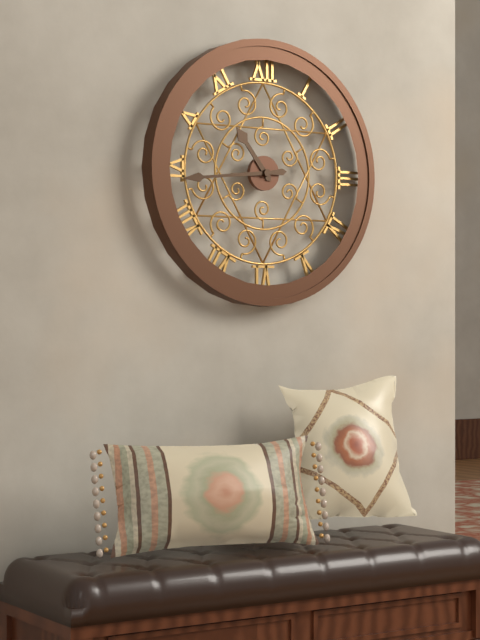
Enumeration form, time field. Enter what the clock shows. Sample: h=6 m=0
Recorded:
h=10 m=44
